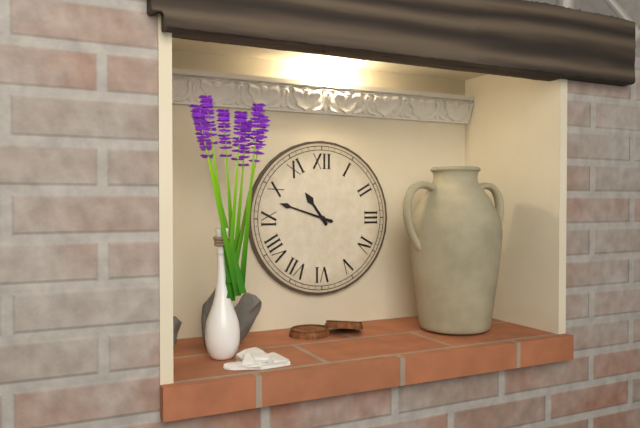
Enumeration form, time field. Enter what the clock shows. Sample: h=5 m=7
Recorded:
h=10 m=48
